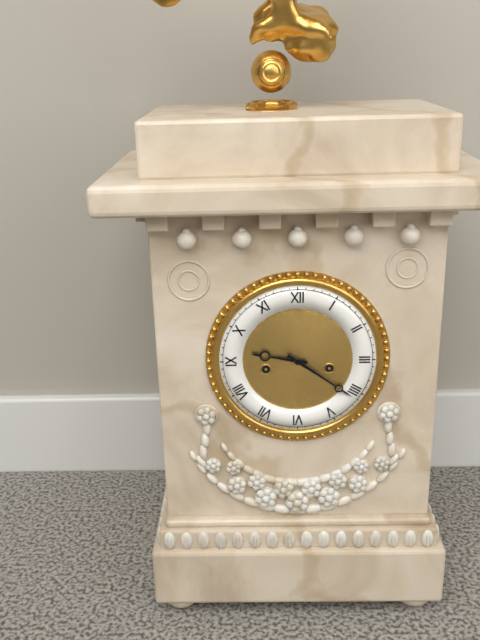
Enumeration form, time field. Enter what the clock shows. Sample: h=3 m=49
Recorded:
h=9 m=21
